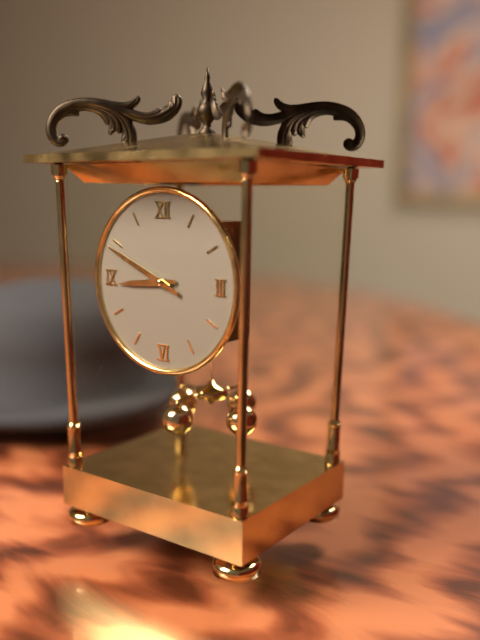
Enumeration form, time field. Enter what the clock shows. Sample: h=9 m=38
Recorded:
h=8 m=49
